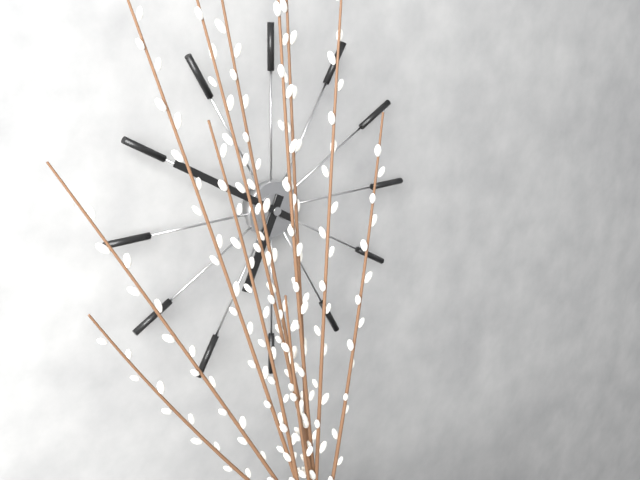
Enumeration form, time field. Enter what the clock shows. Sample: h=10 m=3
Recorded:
h=6 m=50
